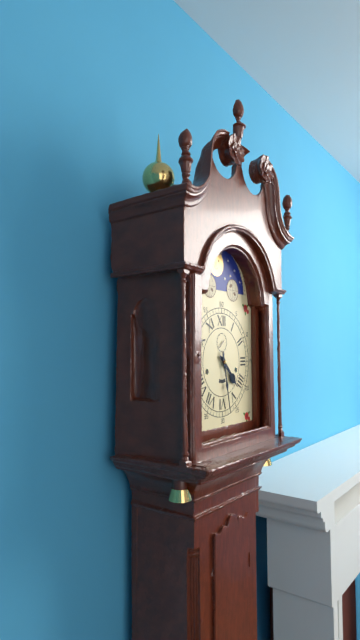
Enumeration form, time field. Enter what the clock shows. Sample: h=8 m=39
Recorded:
h=4 m=28
